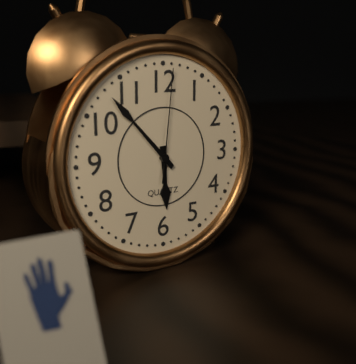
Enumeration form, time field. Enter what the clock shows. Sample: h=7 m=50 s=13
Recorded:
h=5 m=53 s=1
